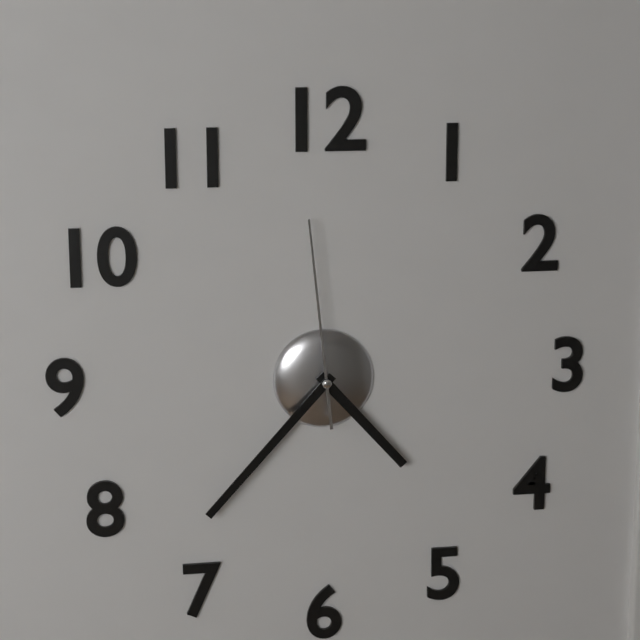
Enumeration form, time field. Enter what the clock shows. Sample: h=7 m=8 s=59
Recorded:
h=4 m=37 s=59
